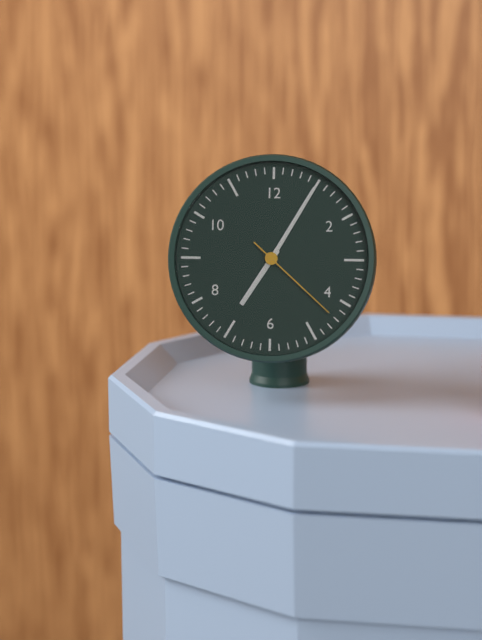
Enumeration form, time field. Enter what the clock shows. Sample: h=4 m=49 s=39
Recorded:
h=7 m=5 s=22
